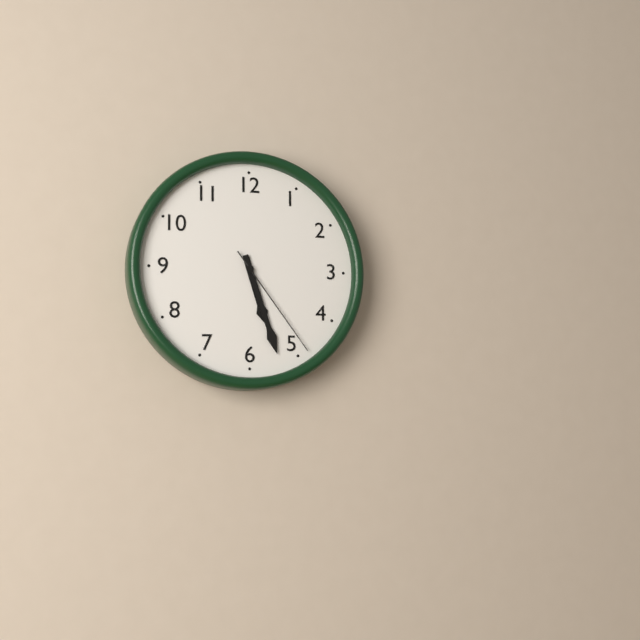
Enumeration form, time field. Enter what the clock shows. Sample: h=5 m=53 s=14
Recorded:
h=5 m=27 s=24
